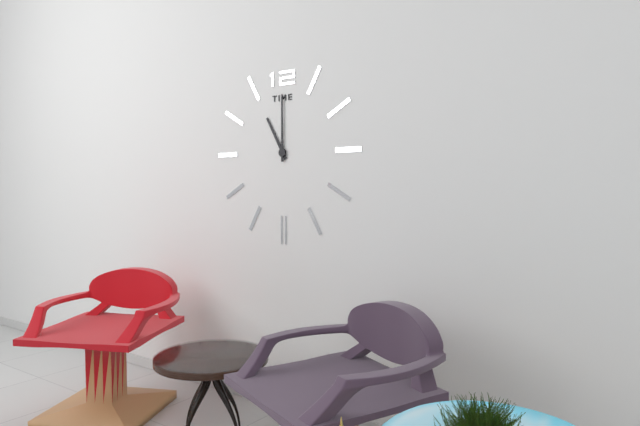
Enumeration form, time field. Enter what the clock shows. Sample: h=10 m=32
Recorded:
h=11 m=0
